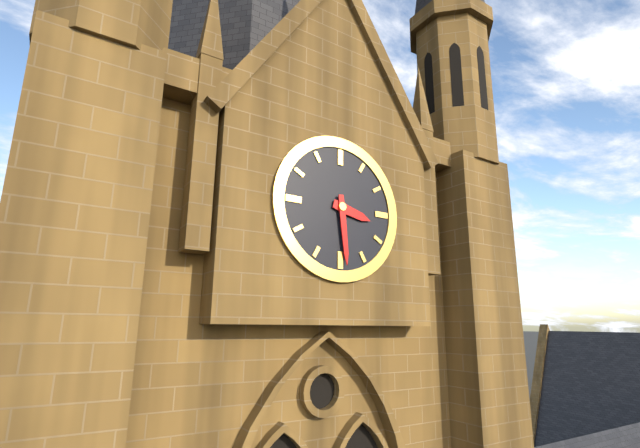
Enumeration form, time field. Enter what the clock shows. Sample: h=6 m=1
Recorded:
h=3 m=29
